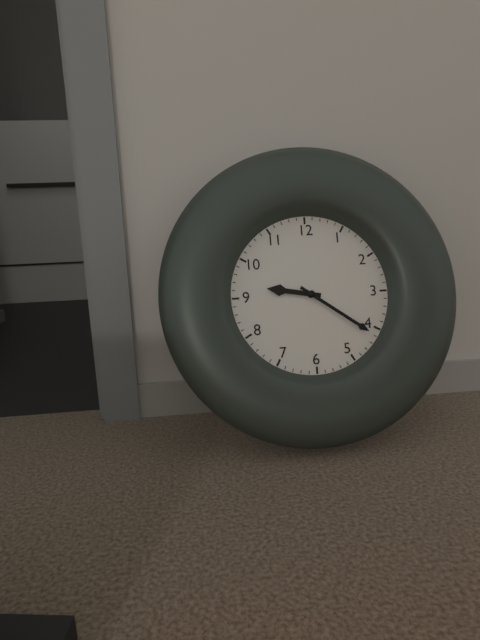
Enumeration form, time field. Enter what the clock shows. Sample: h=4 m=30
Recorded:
h=9 m=21
